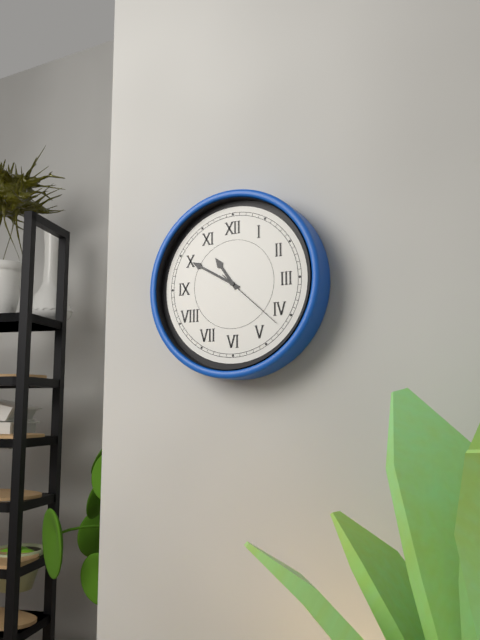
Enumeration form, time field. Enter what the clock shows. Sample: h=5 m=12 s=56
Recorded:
h=10 m=50 s=22
